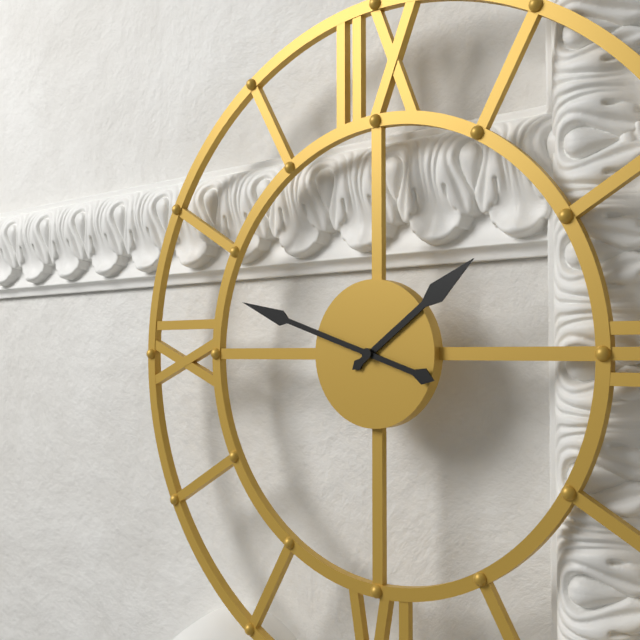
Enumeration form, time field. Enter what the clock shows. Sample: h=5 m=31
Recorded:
h=1 m=48
